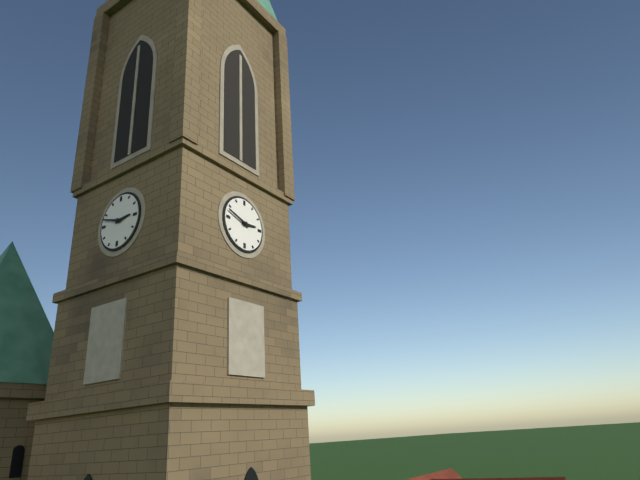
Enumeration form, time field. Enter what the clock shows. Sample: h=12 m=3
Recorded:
h=2 m=48
